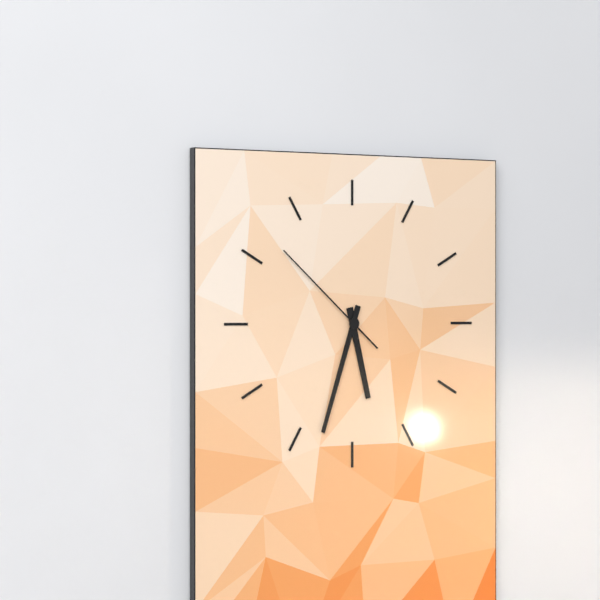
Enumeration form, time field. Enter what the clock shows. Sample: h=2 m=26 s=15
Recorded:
h=5 m=33 s=52
